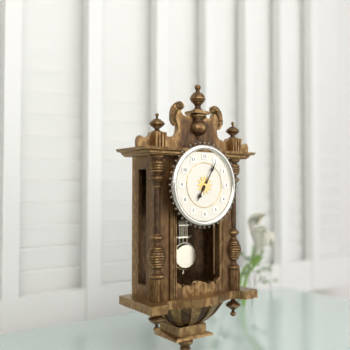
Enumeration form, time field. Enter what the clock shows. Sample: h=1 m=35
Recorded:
h=7 m=5
